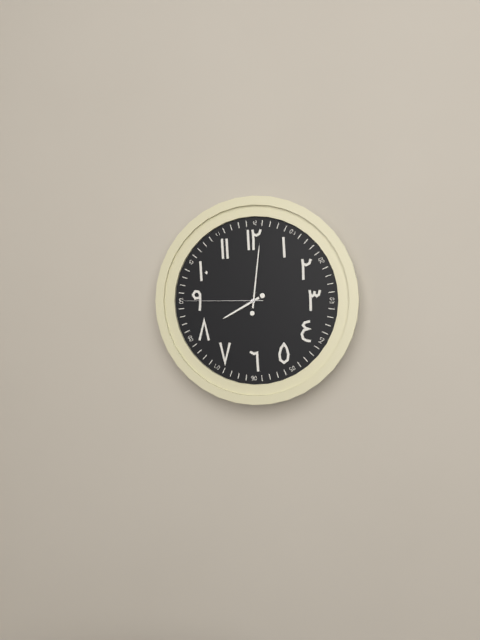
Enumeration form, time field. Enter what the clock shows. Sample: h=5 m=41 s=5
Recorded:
h=8 m=1 s=45
